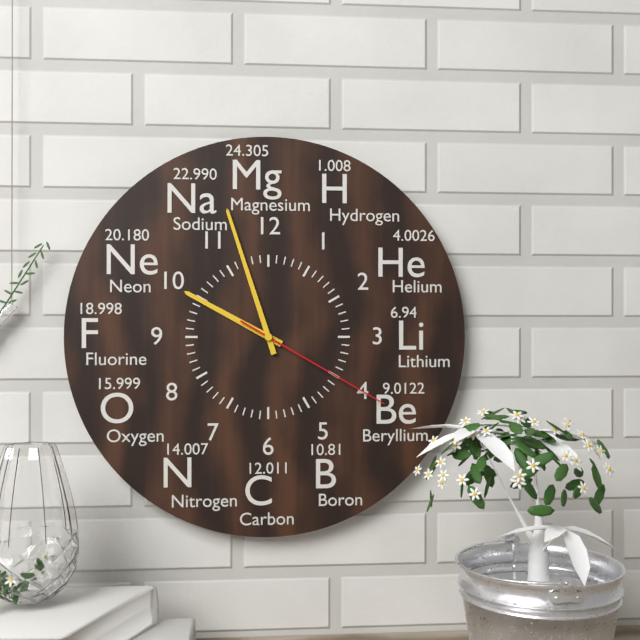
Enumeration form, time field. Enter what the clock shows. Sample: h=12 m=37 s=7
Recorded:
h=9 m=57 s=20
